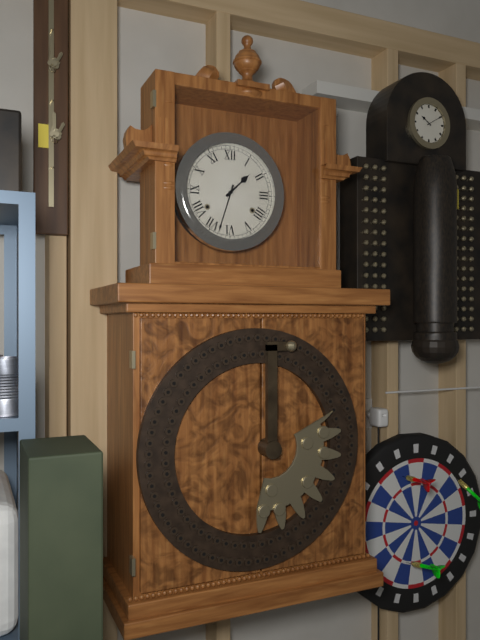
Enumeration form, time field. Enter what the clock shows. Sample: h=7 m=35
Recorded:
h=1 m=33
